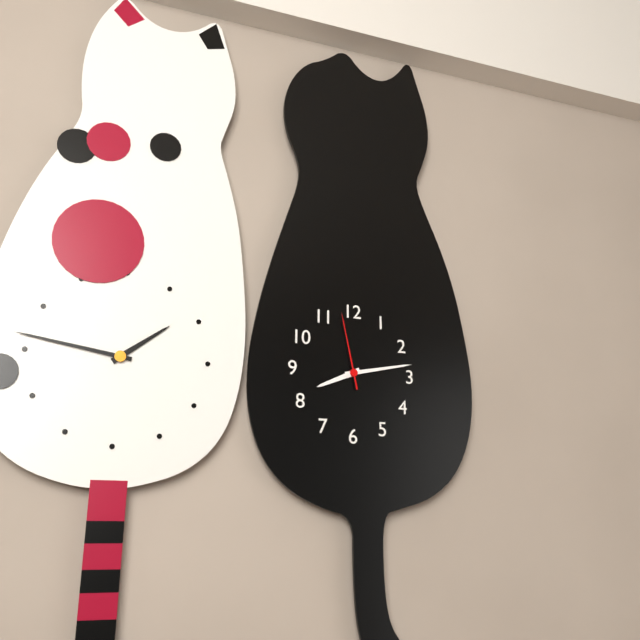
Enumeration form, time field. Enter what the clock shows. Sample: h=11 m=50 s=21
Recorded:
h=8 m=13 s=58
